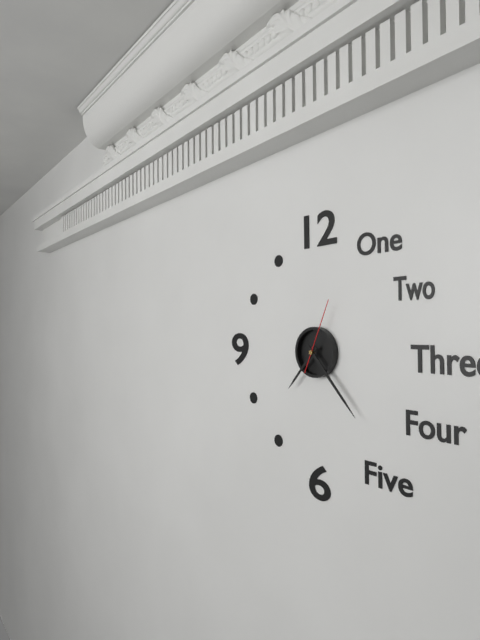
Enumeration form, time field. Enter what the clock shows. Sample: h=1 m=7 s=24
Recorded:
h=7 m=23 s=4
